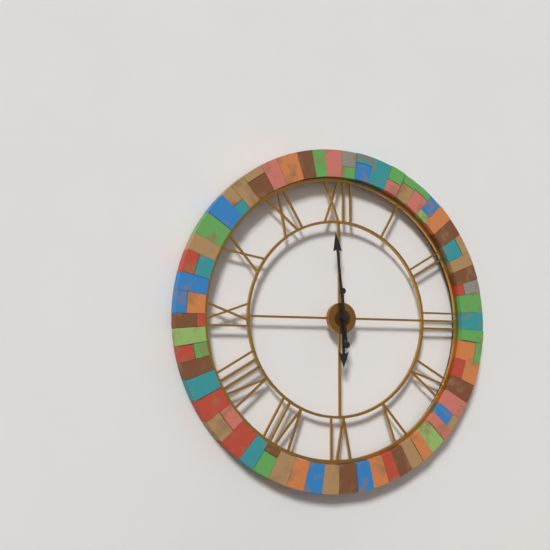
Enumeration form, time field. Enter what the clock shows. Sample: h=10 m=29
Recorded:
h=5 m=59
